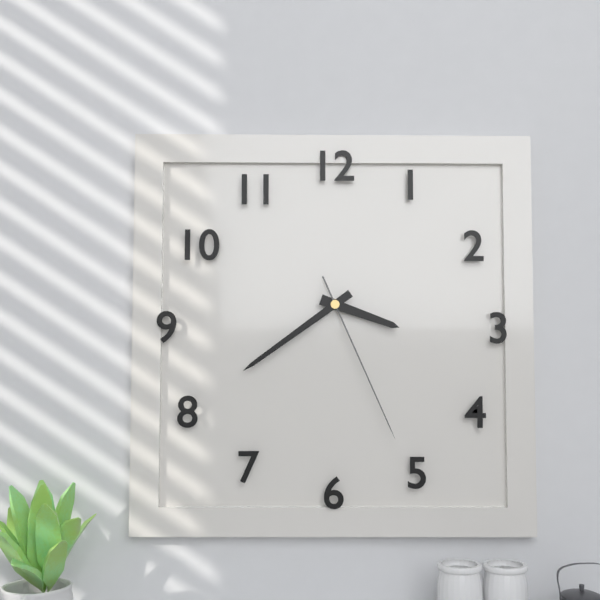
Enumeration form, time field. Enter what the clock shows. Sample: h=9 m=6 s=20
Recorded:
h=3 m=39 s=26
